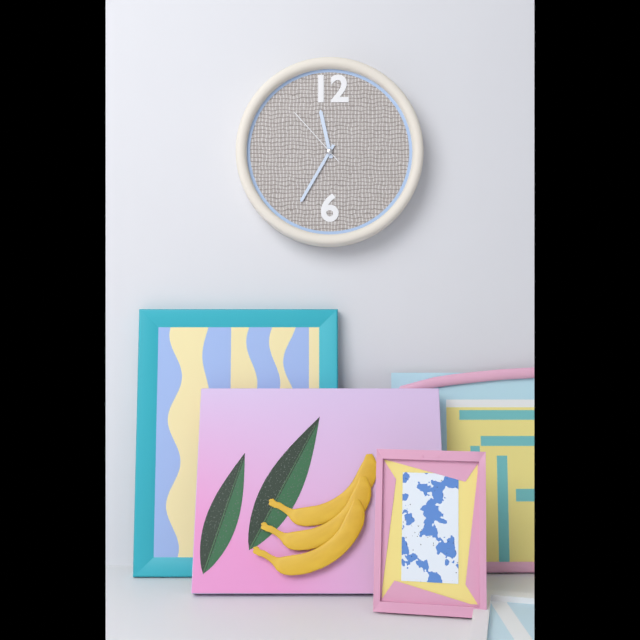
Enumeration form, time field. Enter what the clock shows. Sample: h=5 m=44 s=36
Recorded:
h=11 m=35 s=53
